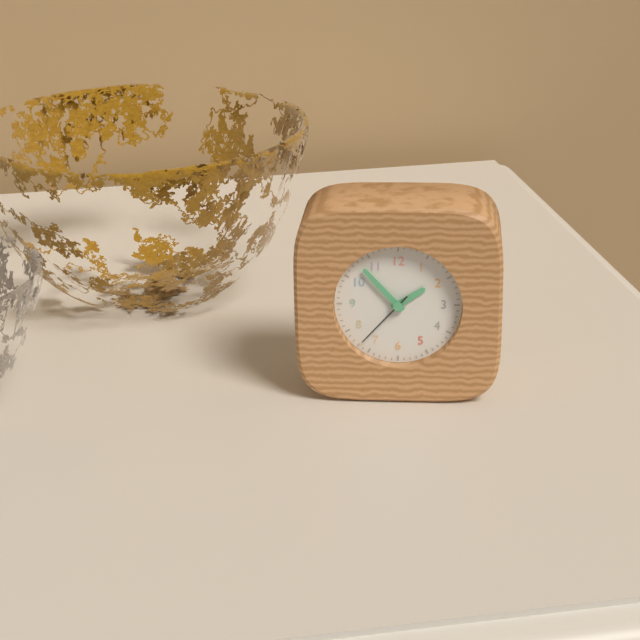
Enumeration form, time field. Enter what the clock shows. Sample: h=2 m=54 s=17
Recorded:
h=1 m=53 s=37
